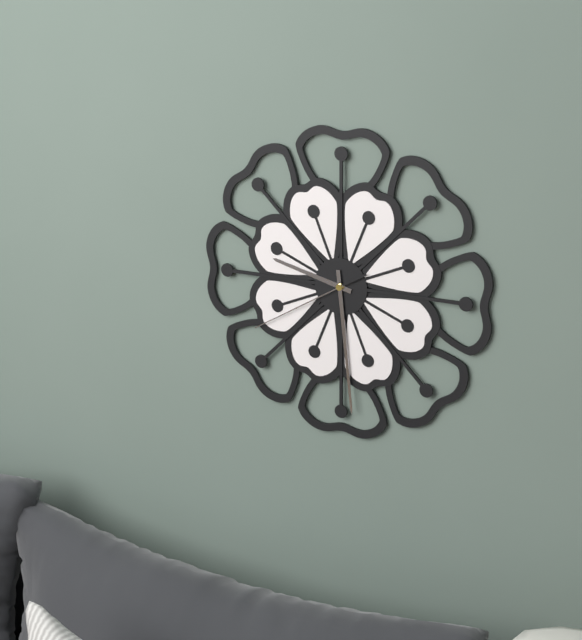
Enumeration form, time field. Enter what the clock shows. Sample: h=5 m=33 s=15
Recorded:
h=9 m=29 s=40
